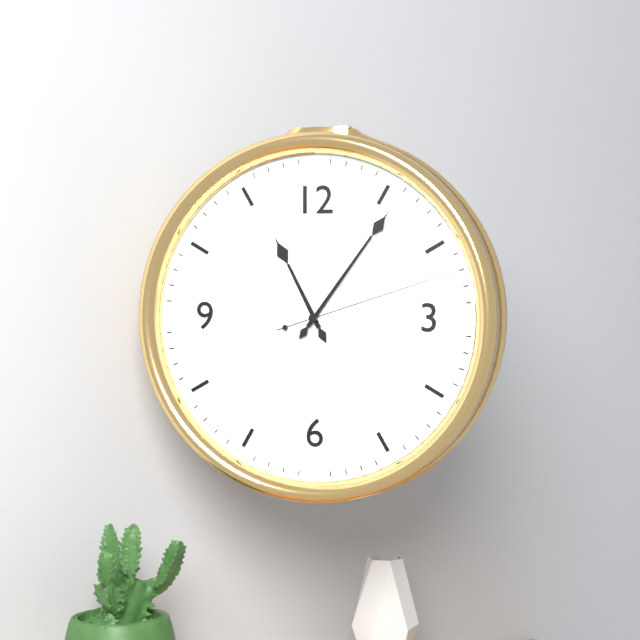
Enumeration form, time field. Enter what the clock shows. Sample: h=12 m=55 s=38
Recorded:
h=11 m=6 s=12
